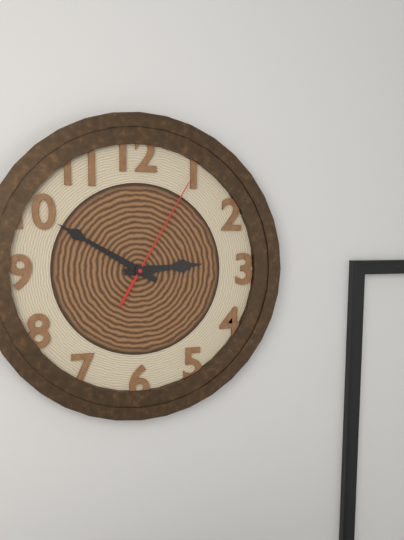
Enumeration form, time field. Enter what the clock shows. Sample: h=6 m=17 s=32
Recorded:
h=2 m=50 s=5
